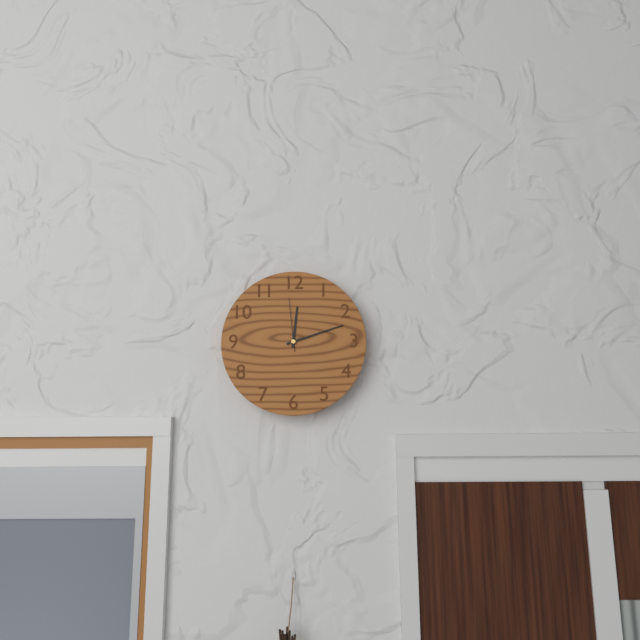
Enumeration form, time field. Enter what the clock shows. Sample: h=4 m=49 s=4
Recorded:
h=12 m=12 s=59
